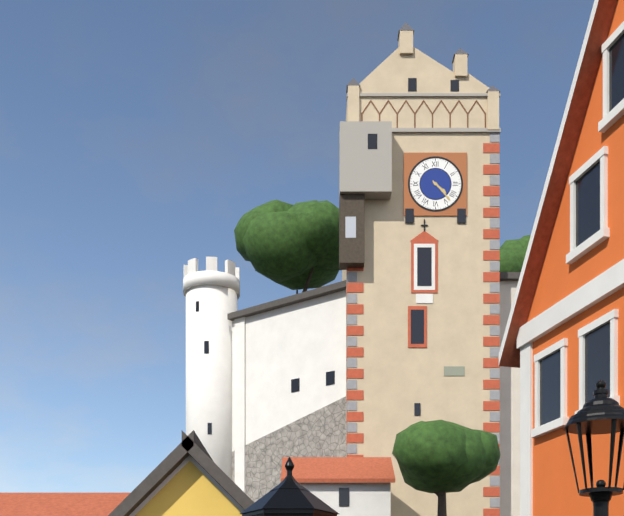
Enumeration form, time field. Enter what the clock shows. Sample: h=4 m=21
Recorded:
h=4 m=23
